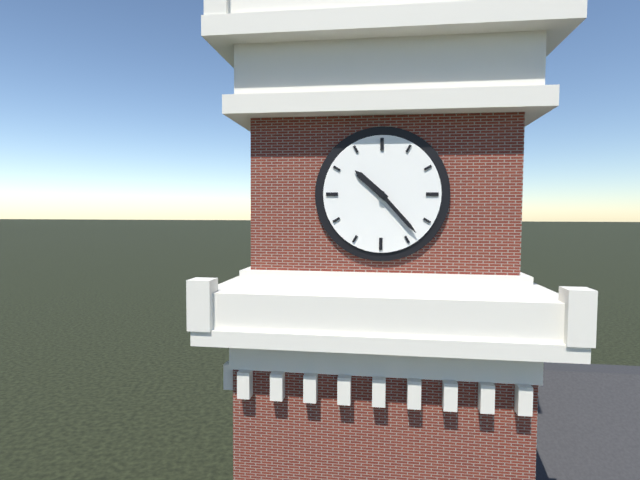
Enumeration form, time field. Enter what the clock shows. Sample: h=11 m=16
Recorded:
h=10 m=23
